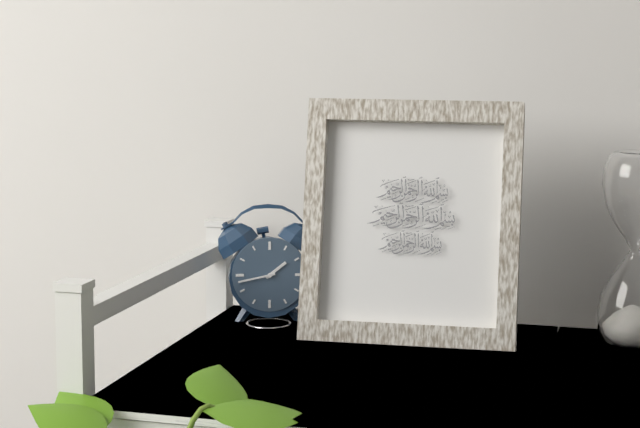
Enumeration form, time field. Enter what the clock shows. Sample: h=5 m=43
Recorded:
h=1 m=43
